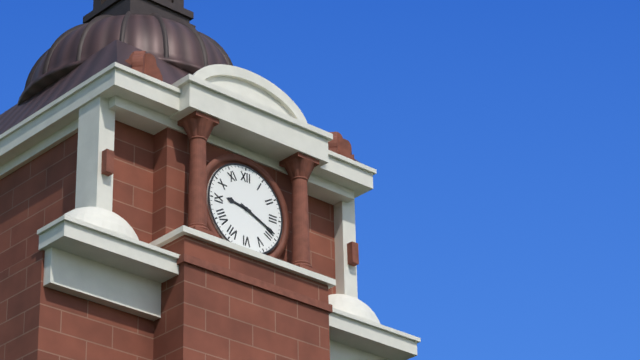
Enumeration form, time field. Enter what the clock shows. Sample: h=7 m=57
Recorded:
h=9 m=19
